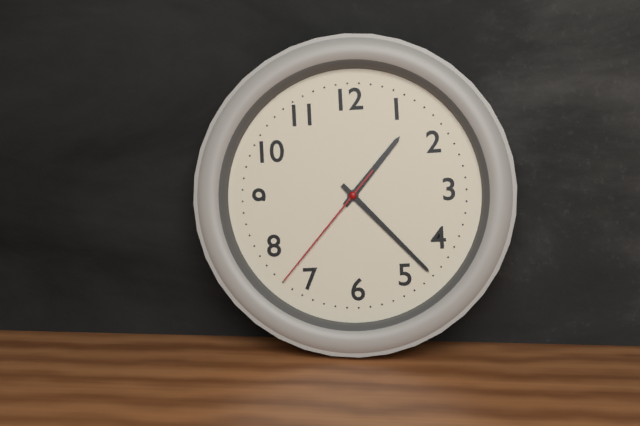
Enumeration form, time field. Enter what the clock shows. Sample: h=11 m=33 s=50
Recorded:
h=1 m=23 s=37
